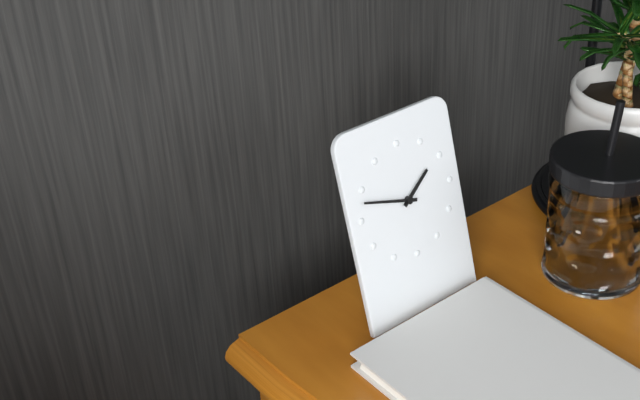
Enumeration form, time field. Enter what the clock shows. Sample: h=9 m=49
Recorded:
h=1 m=48
